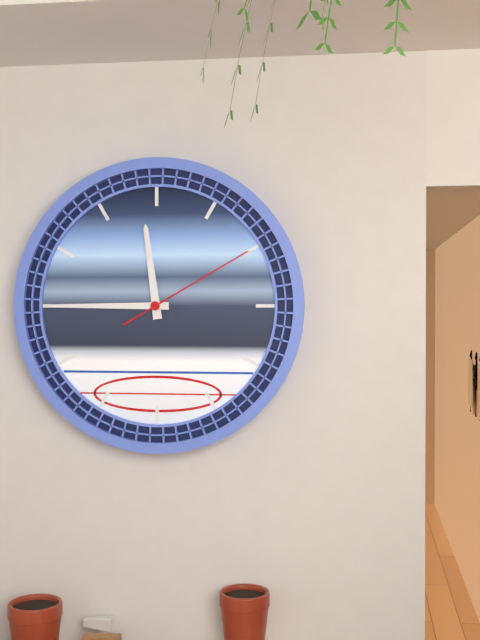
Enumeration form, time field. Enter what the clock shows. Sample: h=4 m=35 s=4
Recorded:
h=11 m=45 s=10
